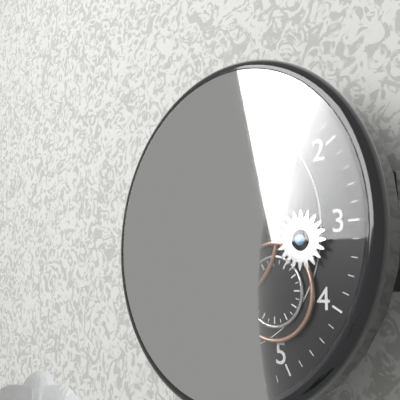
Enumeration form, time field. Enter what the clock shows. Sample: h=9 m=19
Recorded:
h=7 m=6
